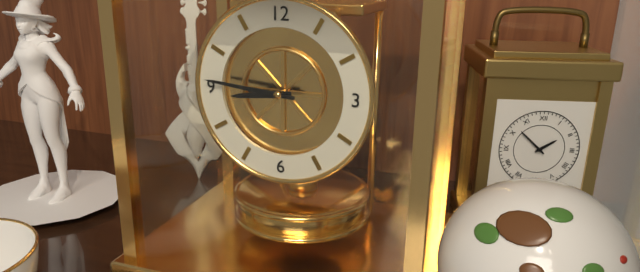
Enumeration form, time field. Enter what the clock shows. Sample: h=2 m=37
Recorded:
h=8 m=46
